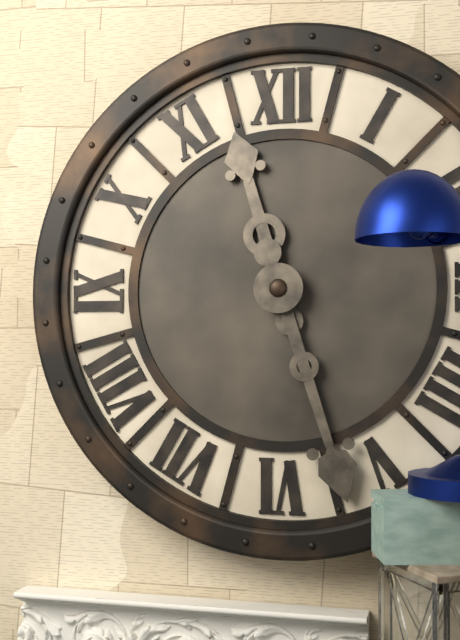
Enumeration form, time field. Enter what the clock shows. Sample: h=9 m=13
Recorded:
h=11 m=27
